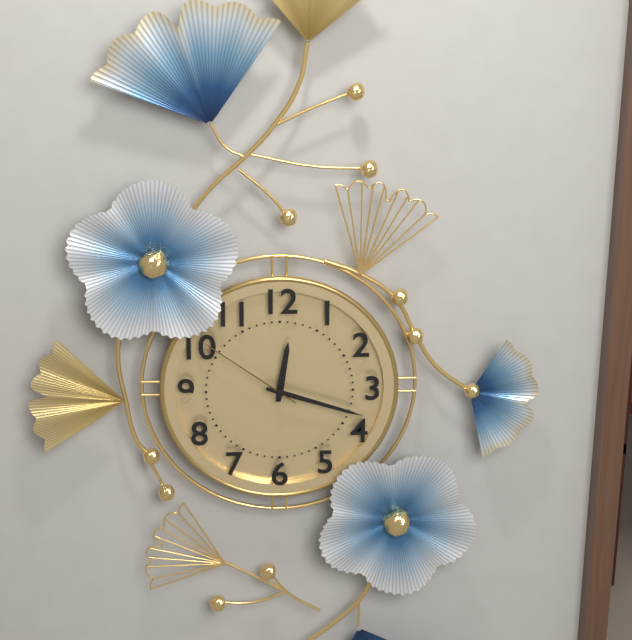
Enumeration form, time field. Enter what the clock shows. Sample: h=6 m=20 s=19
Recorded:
h=12 m=18 s=51
